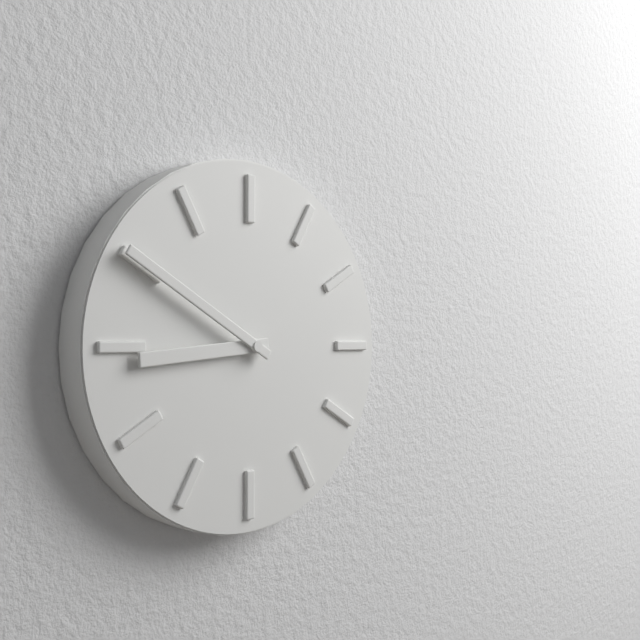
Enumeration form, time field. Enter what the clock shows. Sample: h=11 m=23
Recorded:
h=8 m=50
